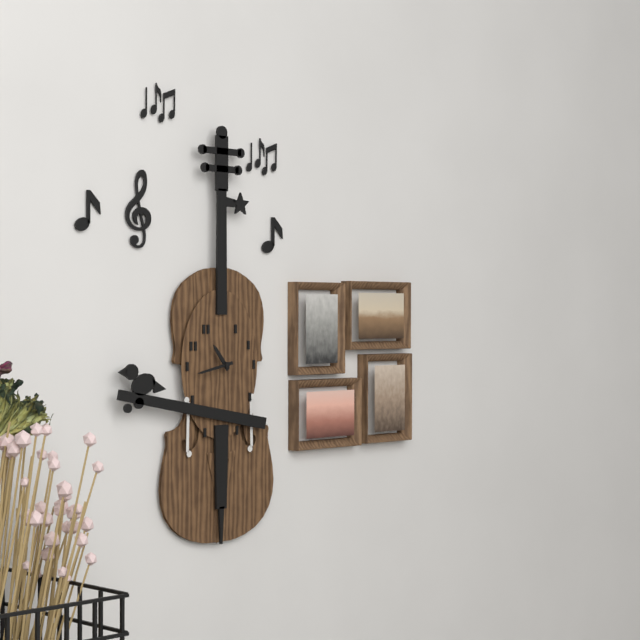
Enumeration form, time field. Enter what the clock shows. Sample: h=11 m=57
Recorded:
h=10 m=43
